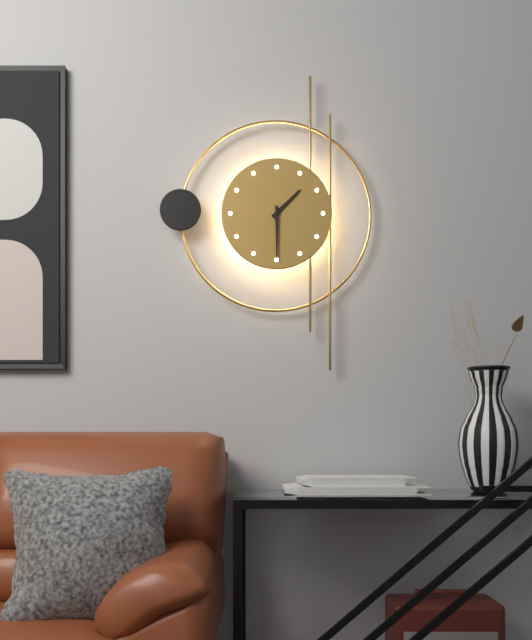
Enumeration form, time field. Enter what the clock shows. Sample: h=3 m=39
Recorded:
h=1 m=30
